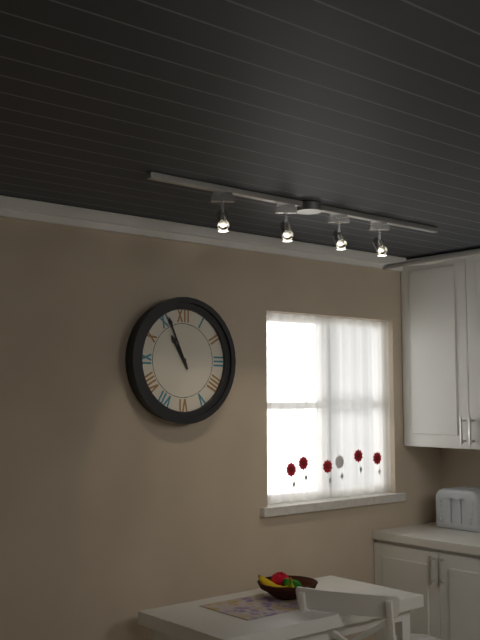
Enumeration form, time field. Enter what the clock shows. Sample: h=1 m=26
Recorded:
h=10 m=56
